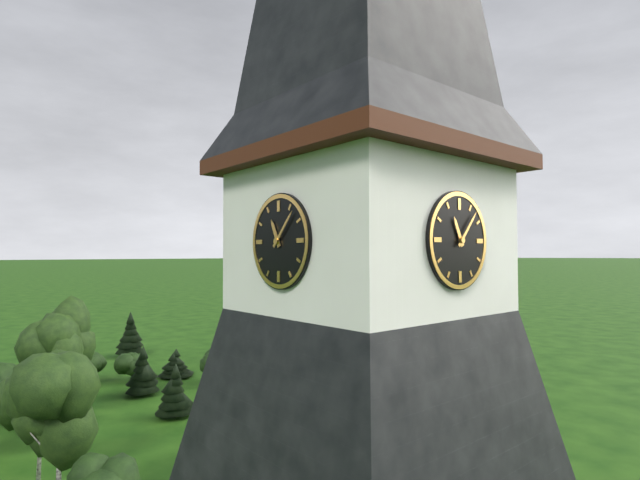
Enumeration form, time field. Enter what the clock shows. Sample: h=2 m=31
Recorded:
h=11 m=7
